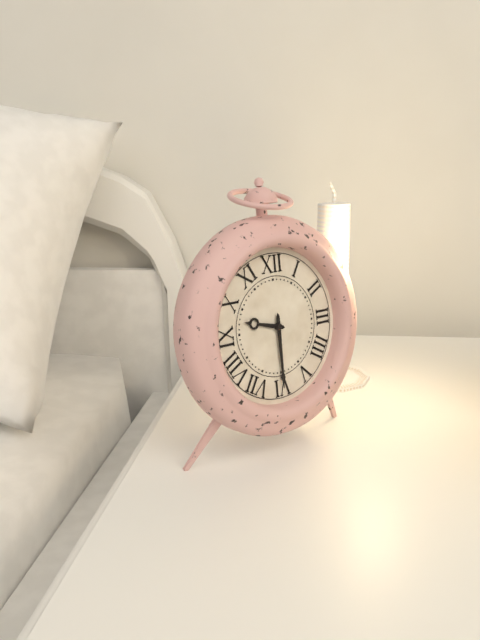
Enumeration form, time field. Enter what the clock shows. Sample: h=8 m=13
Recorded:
h=9 m=30
